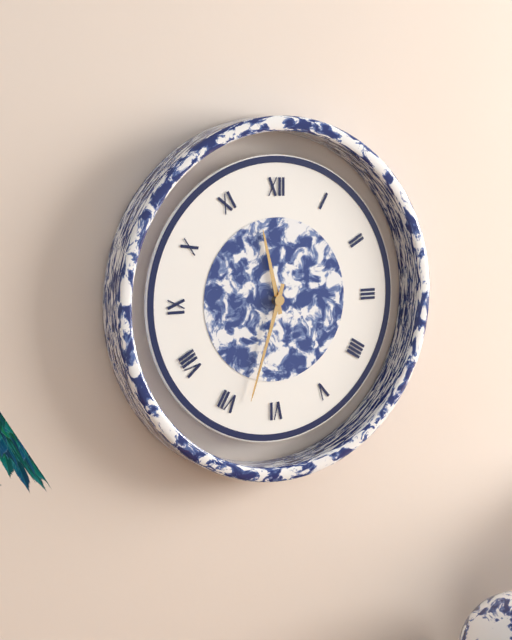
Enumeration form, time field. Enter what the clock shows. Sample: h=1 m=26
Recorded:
h=11 m=33
